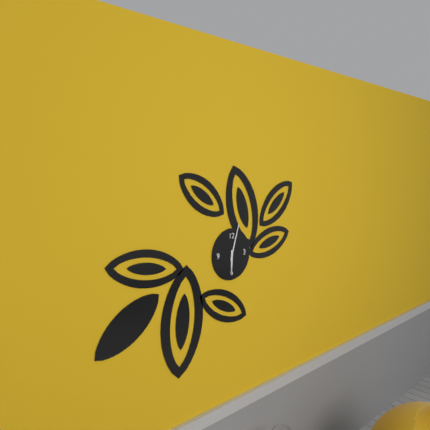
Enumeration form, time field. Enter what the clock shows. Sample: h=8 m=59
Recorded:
h=6 m=3
